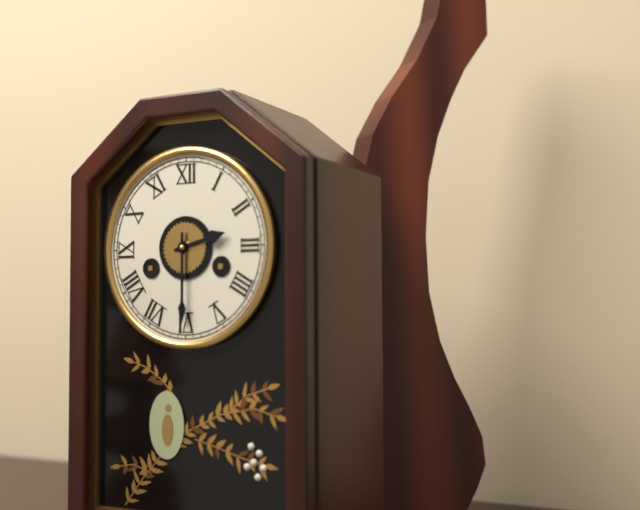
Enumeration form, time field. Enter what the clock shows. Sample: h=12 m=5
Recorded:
h=2 m=30
